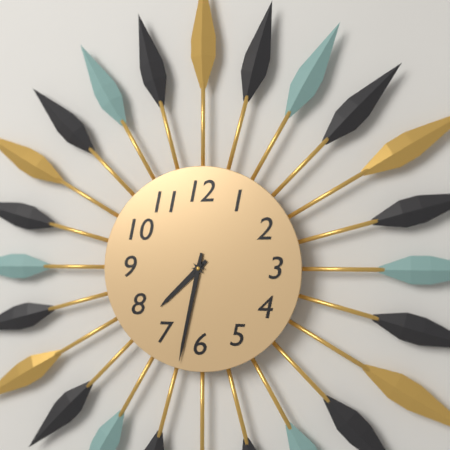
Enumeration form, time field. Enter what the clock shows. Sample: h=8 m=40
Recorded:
h=7 m=32
